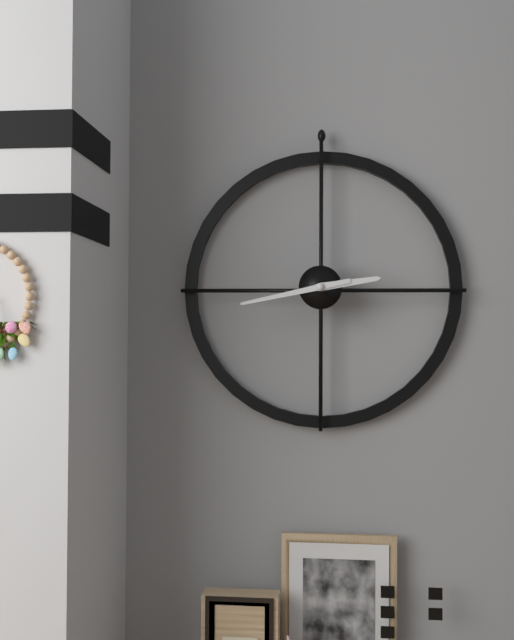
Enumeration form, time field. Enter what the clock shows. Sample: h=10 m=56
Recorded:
h=2 m=43
